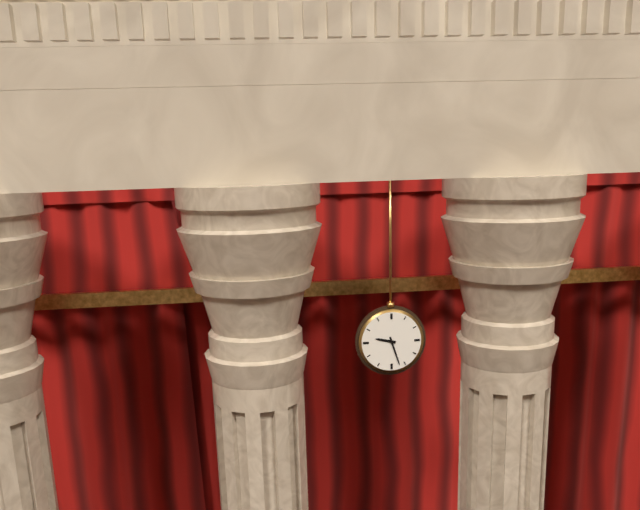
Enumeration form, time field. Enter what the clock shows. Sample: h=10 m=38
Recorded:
h=9 m=27
